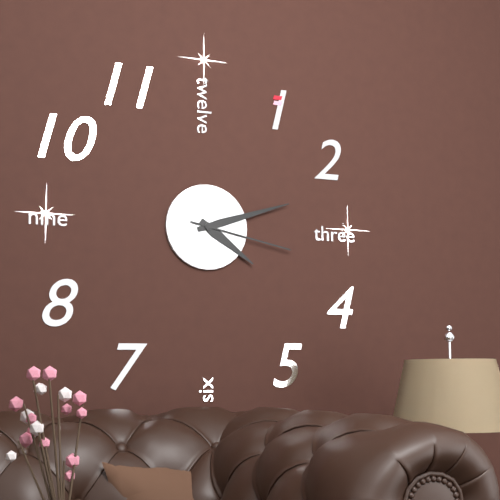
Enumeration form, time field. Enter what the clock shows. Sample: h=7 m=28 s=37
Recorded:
h=4 m=12 s=17
